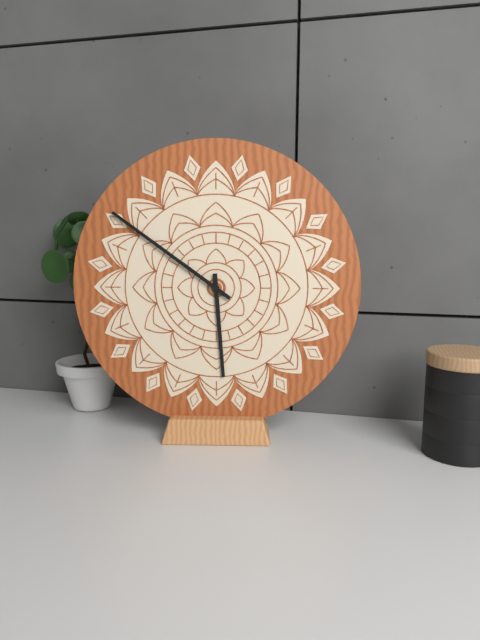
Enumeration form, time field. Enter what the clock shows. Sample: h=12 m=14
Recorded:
h=5 m=51
